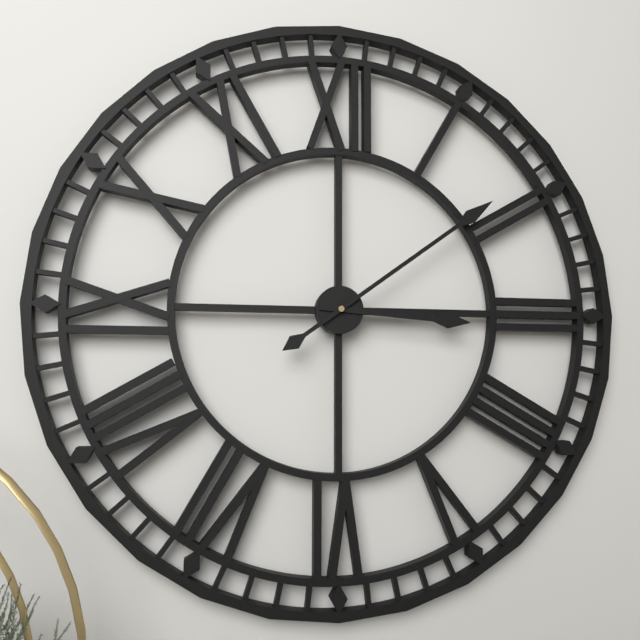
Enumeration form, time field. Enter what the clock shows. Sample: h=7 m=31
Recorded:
h=3 m=9
